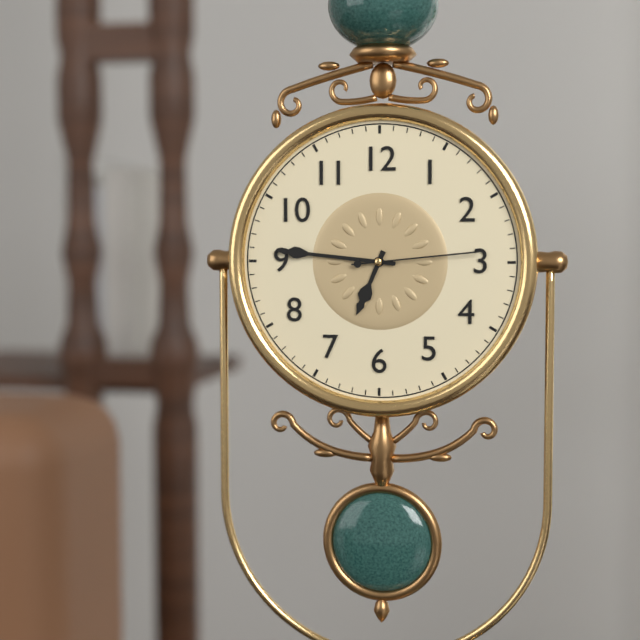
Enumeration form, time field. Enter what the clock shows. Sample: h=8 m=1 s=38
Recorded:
h=6 m=46 s=14
